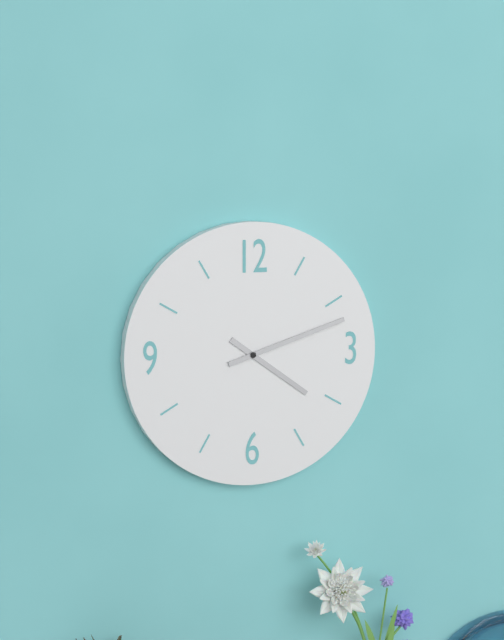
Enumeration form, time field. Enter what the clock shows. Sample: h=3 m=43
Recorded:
h=4 m=12
